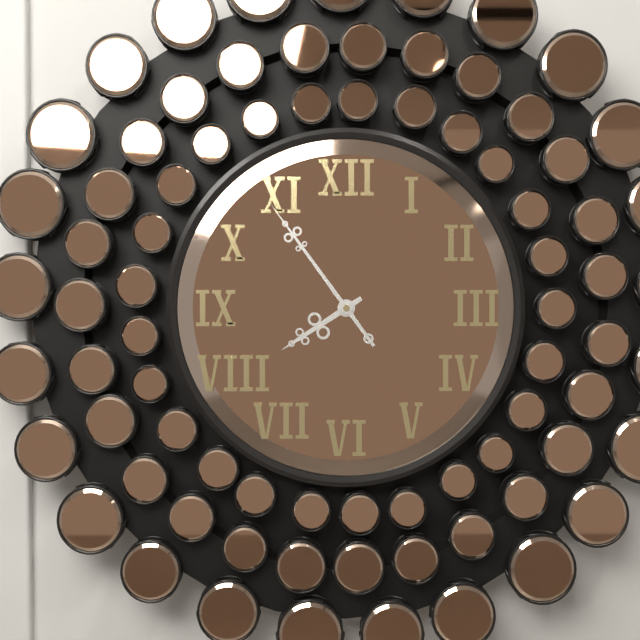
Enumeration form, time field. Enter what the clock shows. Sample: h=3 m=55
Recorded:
h=7 m=54
